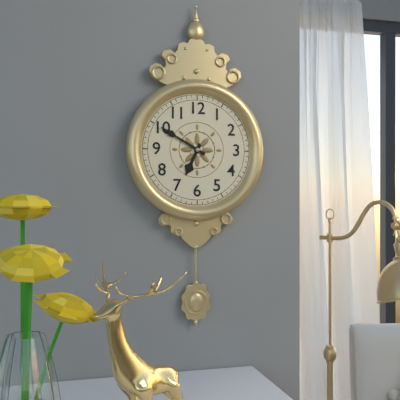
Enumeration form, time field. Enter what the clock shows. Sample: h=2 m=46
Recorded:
h=6 m=50
